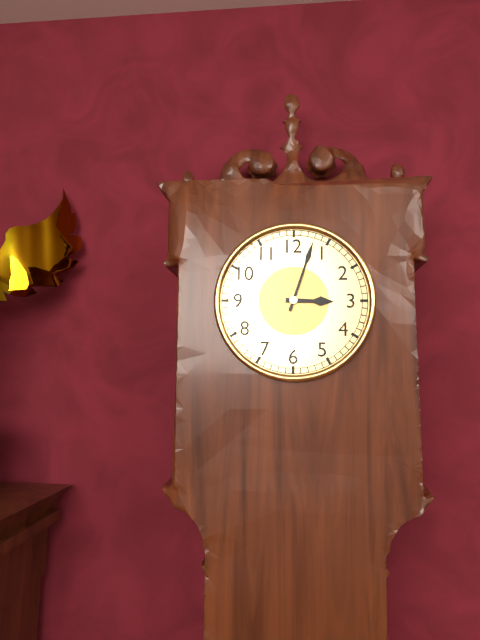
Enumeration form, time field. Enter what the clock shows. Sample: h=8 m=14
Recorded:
h=3 m=3
